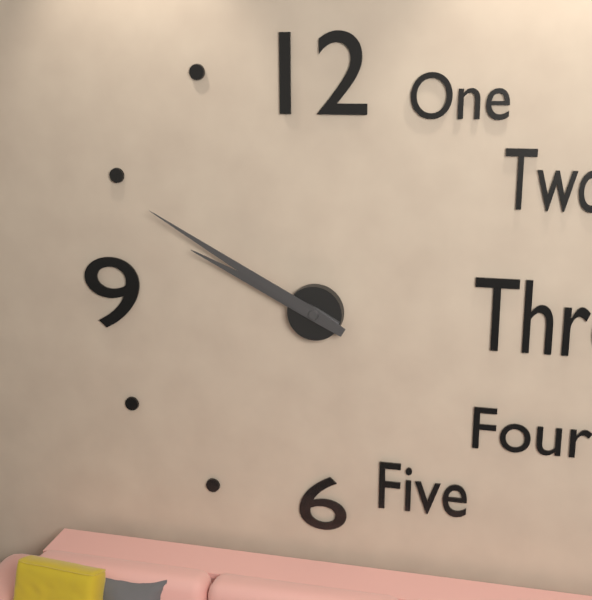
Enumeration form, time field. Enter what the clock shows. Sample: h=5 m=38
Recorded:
h=9 m=50
